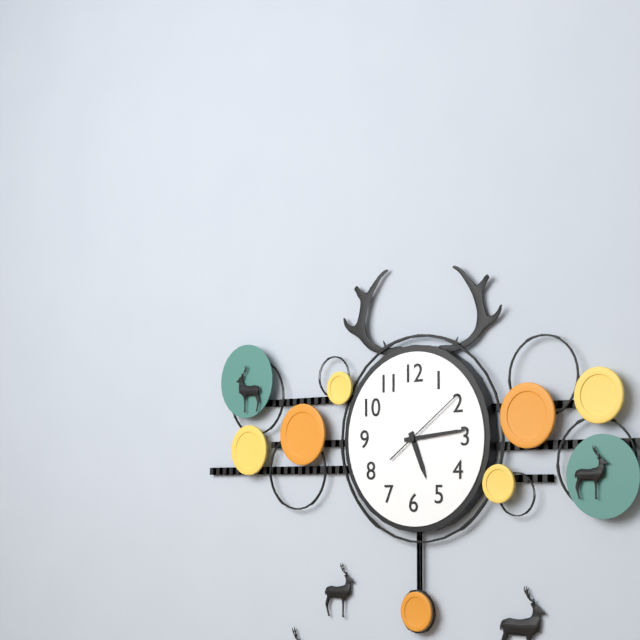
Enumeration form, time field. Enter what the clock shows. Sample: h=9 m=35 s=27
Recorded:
h=5 m=14 s=9
